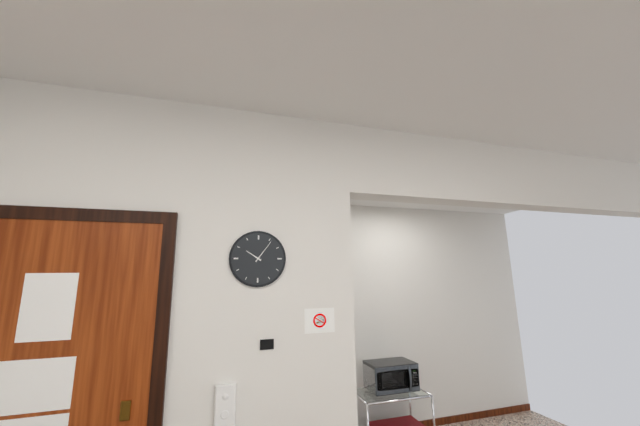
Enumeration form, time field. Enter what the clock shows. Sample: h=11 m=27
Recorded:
h=10 m=6
